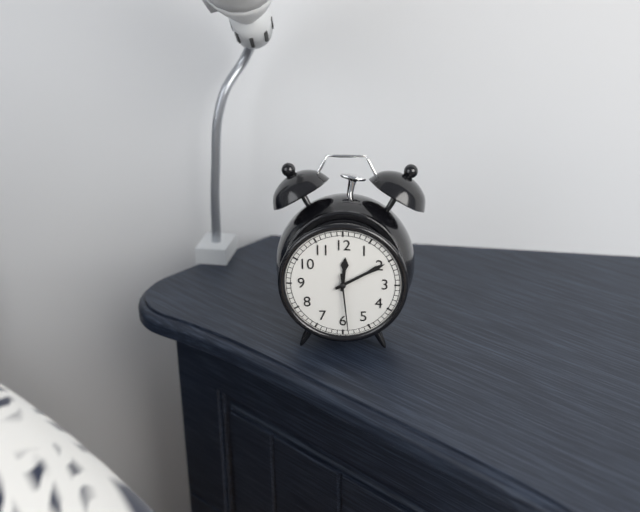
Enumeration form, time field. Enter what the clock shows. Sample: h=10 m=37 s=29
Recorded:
h=12 m=10 s=29
